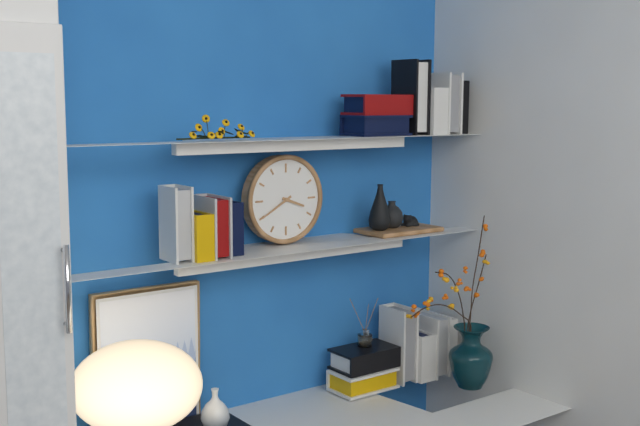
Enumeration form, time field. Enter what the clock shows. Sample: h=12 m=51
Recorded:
h=3 m=40
